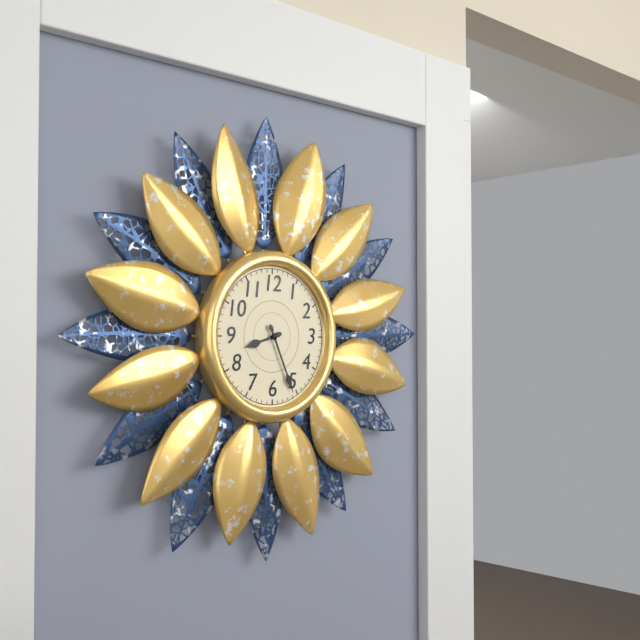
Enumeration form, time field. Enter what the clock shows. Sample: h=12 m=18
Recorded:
h=8 m=26
